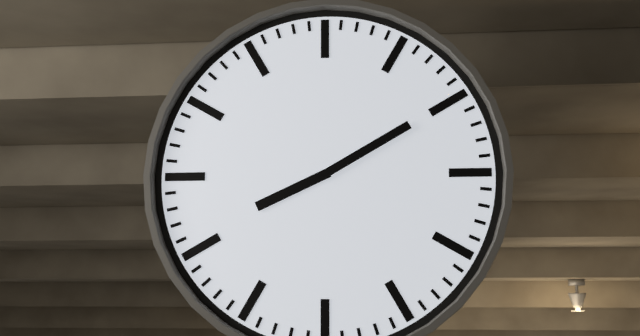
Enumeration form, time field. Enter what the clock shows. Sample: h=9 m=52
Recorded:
h=8 m=10
